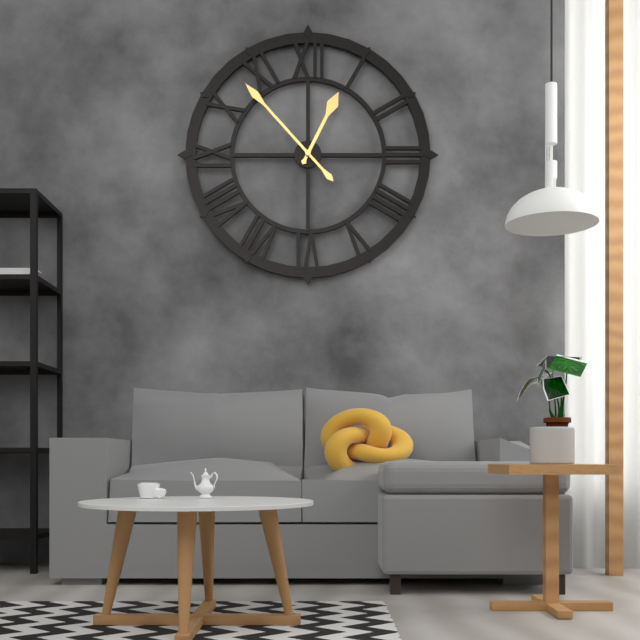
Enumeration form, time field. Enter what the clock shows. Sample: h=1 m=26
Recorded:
h=12 m=53
